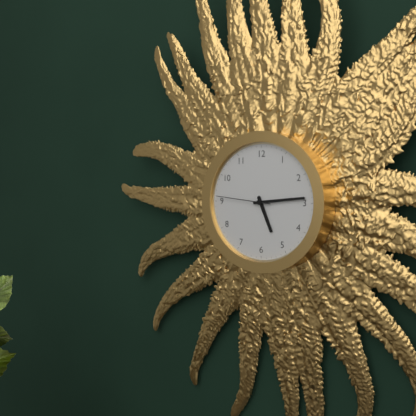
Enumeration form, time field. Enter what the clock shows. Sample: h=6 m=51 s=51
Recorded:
h=5 m=14 s=46
